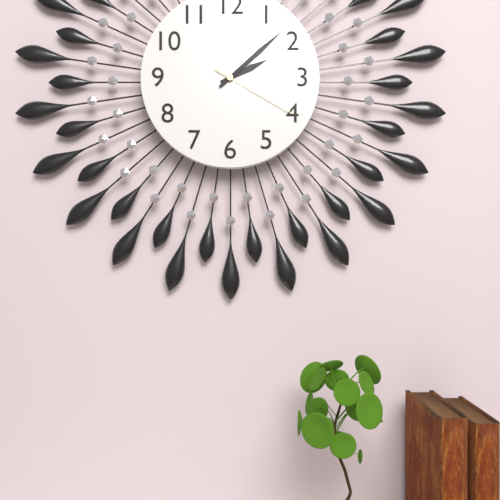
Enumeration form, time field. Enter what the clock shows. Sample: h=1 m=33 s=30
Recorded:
h=2 m=8 s=20
